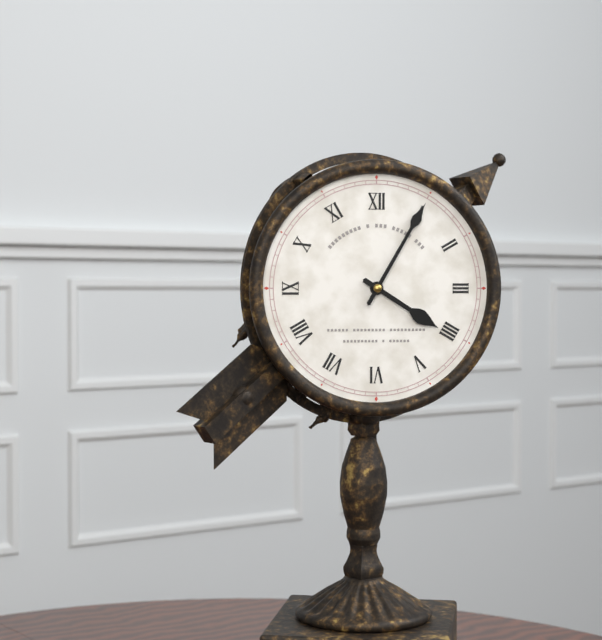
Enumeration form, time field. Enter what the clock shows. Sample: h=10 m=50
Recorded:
h=4 m=5
